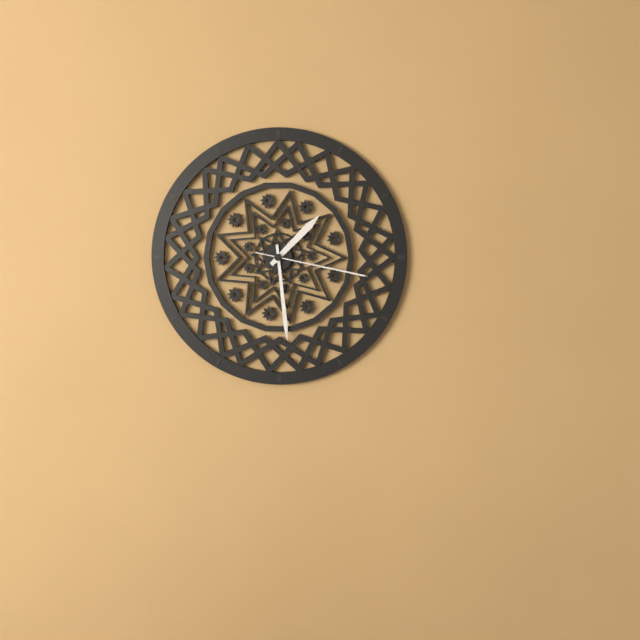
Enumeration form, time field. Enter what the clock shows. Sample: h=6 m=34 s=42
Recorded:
h=1 m=29 s=17
